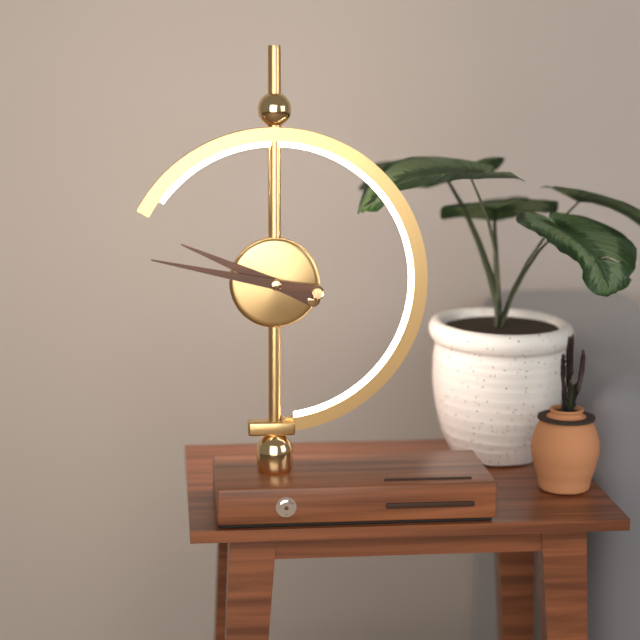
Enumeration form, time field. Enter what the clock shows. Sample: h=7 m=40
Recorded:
h=9 m=47
